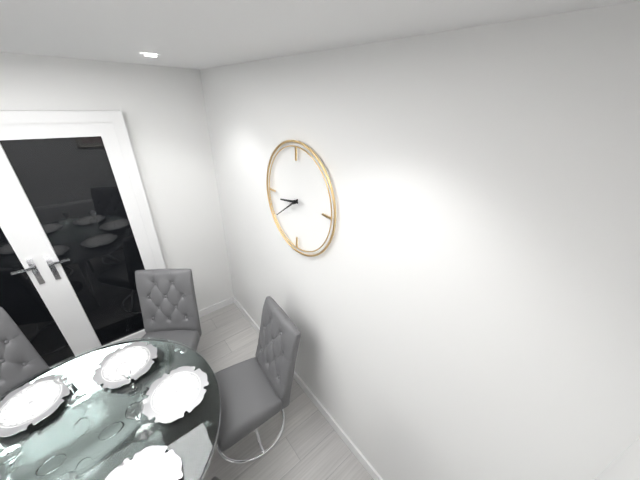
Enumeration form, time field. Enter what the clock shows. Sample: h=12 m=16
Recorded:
h=8 m=39
